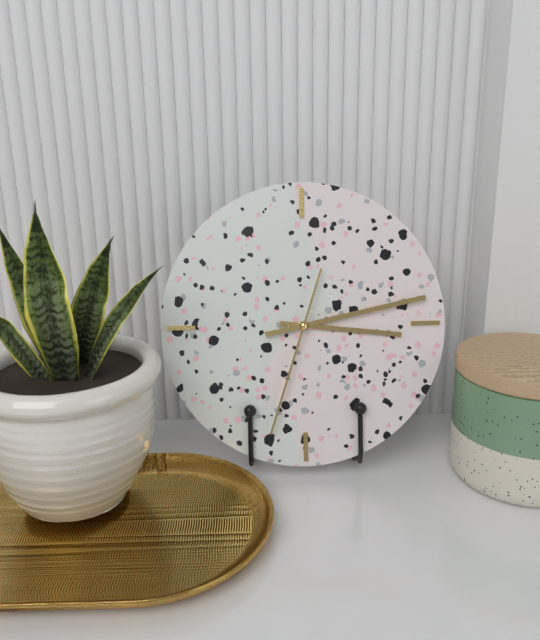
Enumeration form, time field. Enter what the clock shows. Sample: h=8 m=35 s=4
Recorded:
h=3 m=13 s=33
